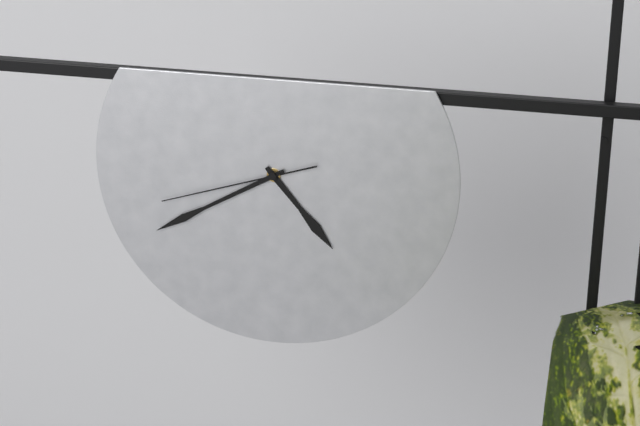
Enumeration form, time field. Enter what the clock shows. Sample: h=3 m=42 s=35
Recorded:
h=4 m=40 s=42
